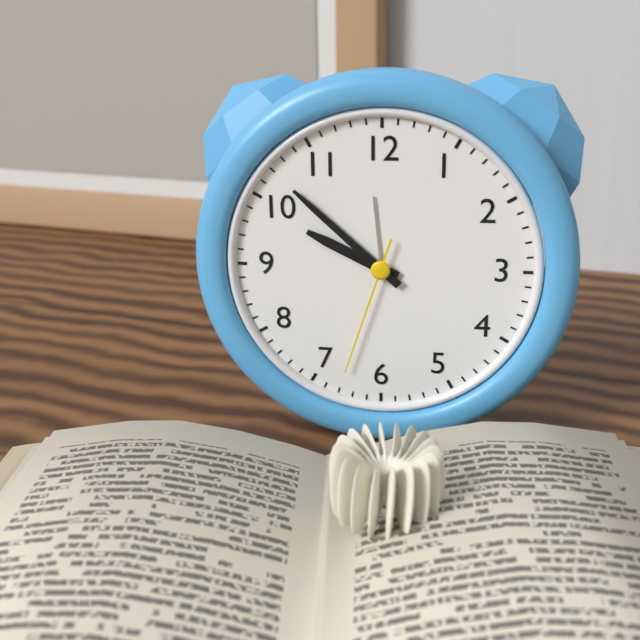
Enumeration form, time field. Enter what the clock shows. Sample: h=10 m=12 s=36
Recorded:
h=9 m=52 s=33
